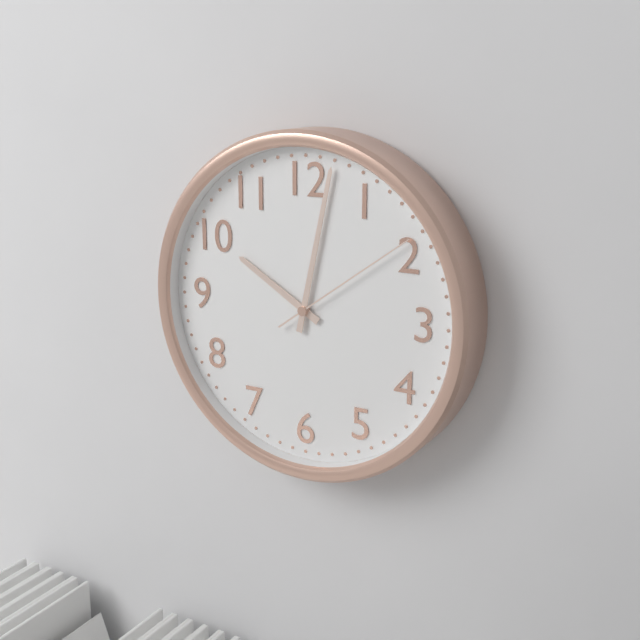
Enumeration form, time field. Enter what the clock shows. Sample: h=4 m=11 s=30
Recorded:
h=10 m=2 s=9
